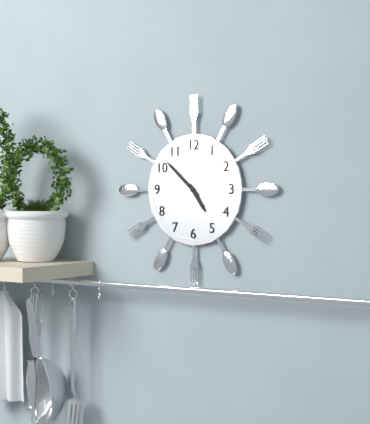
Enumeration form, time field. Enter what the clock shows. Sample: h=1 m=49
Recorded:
h=4 m=52
